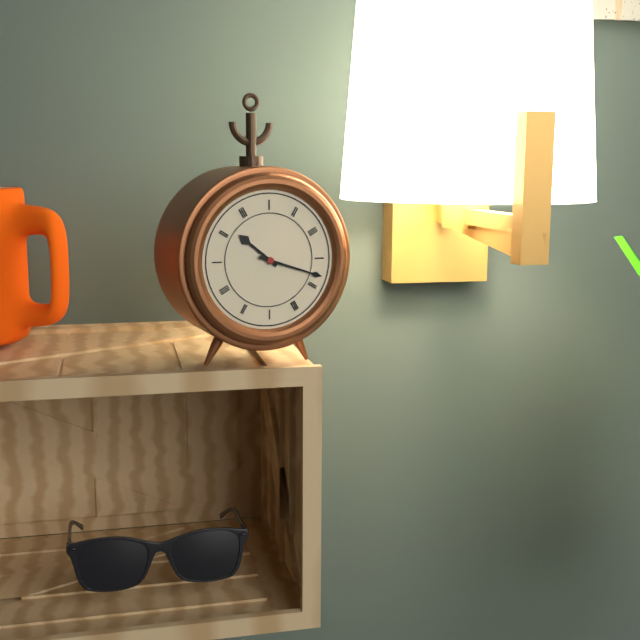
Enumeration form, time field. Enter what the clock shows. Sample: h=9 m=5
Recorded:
h=10 m=18
